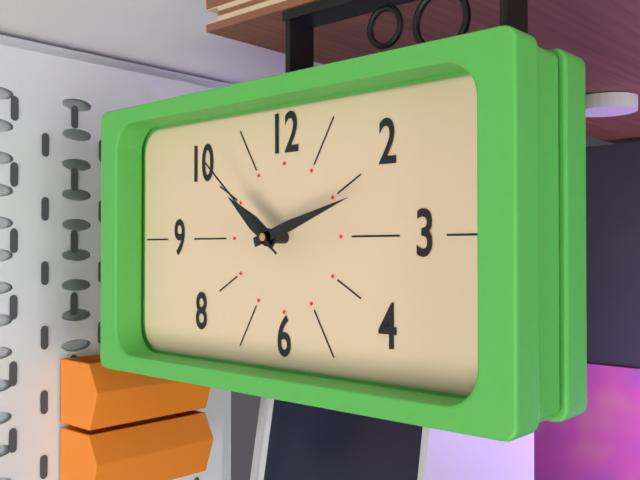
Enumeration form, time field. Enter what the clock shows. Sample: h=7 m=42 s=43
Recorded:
h=10 m=12 s=52
